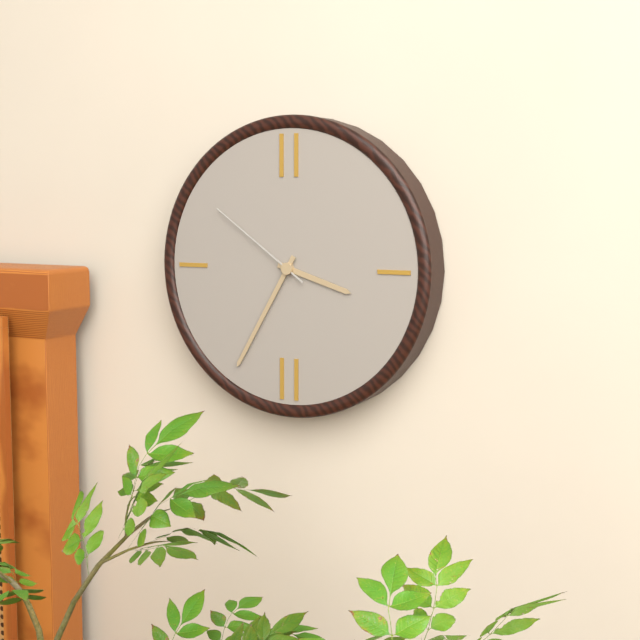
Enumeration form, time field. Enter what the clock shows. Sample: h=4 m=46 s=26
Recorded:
h=3 m=35 s=51
